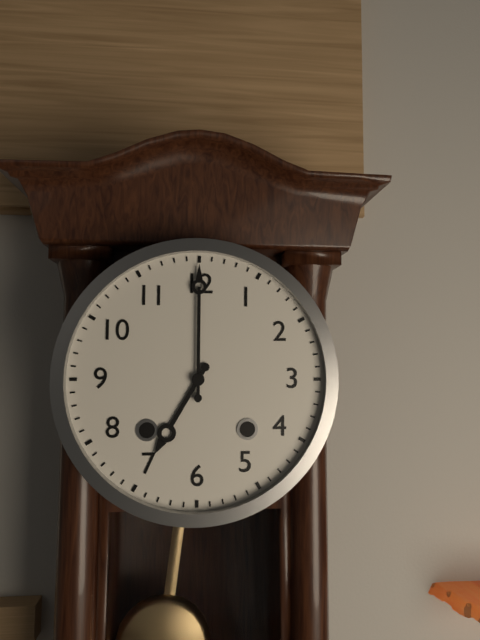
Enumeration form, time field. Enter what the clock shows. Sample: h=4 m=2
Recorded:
h=7 m=0
